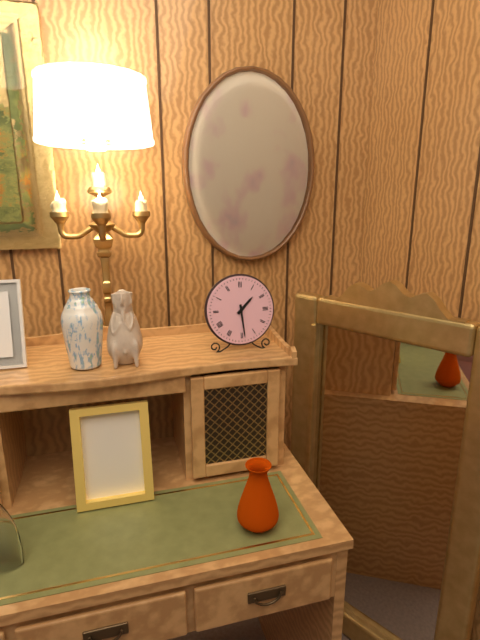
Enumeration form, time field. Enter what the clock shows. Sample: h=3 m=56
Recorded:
h=1 m=29
